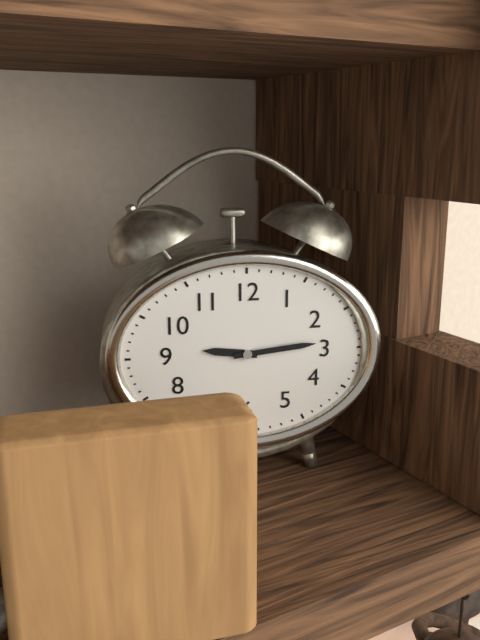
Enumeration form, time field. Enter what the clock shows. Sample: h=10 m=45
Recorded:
h=9 m=14
